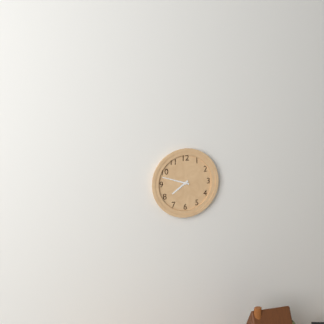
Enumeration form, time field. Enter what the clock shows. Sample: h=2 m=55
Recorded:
h=7 m=48
